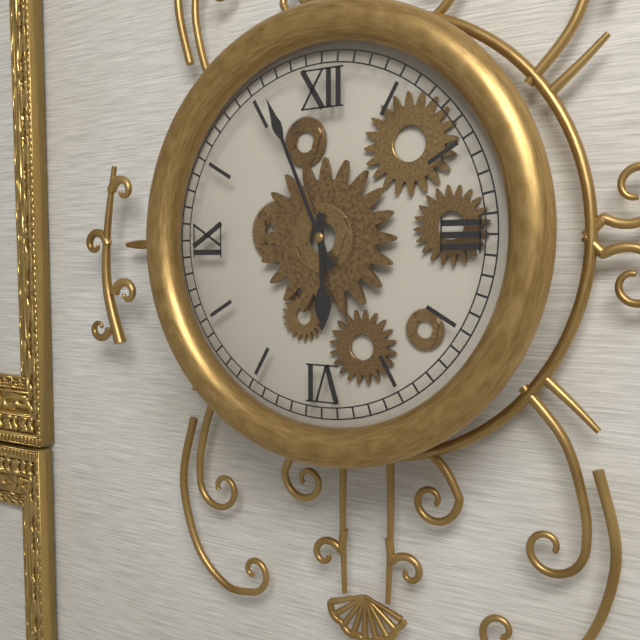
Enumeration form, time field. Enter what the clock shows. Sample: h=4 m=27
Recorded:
h=5 m=56
